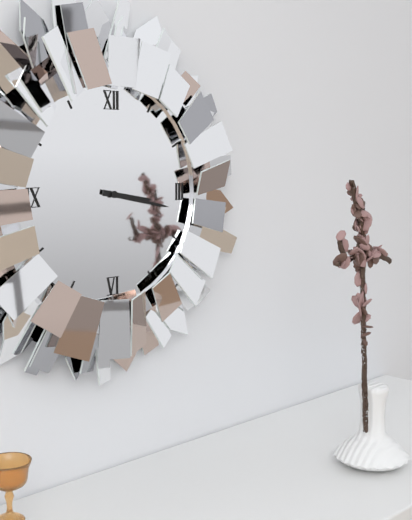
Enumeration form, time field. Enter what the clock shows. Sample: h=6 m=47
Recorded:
h=3 m=17
